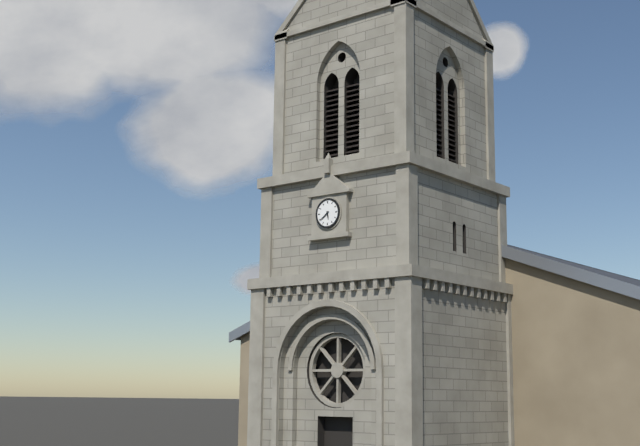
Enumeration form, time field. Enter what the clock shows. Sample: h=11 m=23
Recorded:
h=5 m=39
